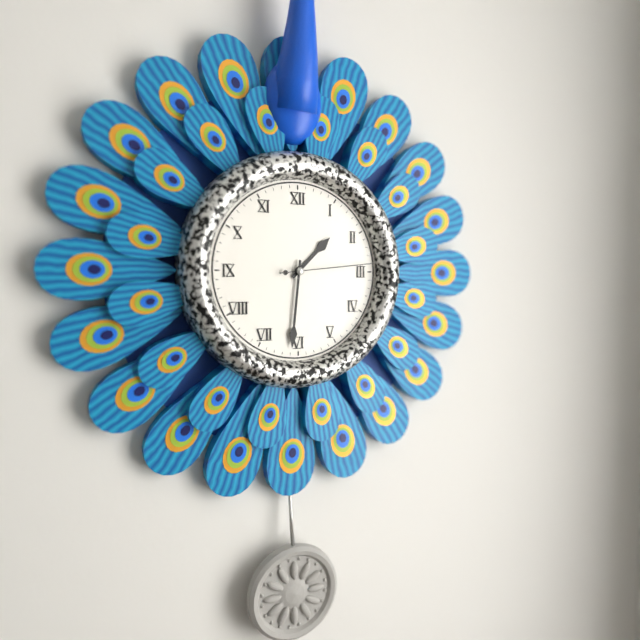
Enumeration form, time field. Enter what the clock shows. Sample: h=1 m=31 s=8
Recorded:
h=1 m=31 s=14
